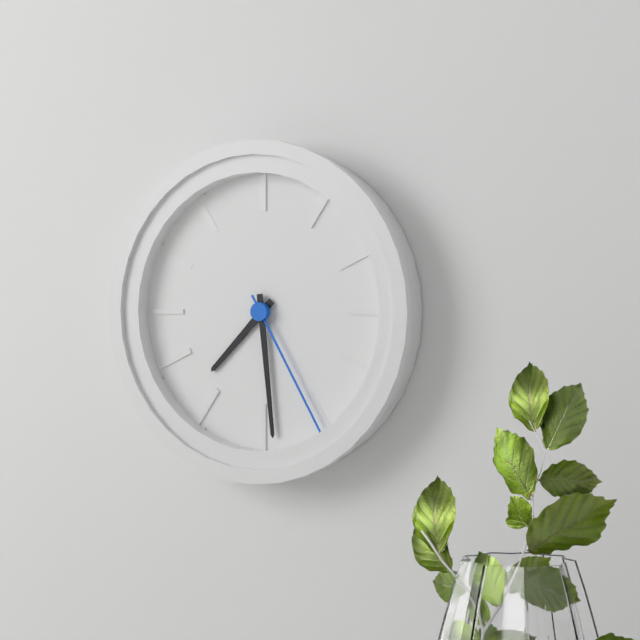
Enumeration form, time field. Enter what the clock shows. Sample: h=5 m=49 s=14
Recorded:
h=7 m=29 s=25
